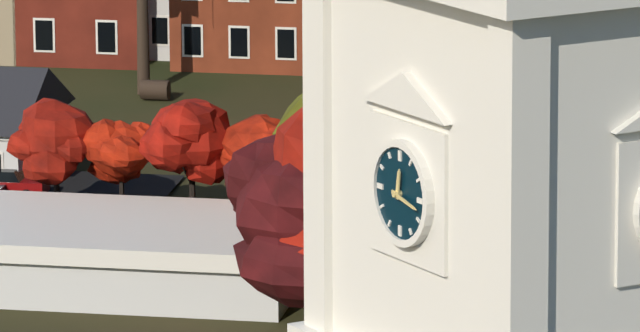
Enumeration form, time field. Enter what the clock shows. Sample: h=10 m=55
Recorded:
h=12 m=17
